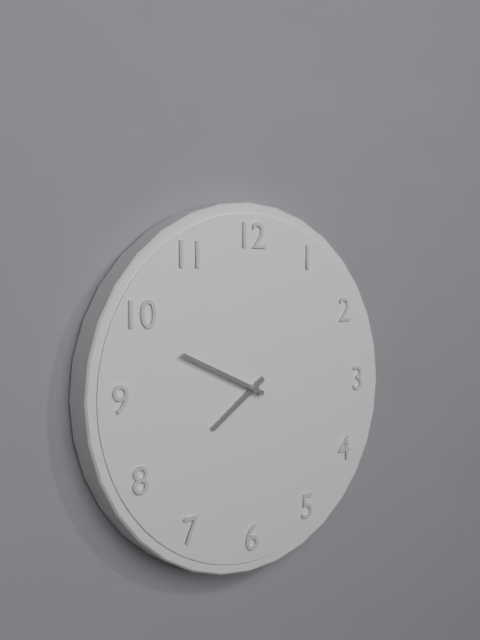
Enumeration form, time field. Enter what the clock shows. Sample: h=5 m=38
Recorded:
h=7 m=49
